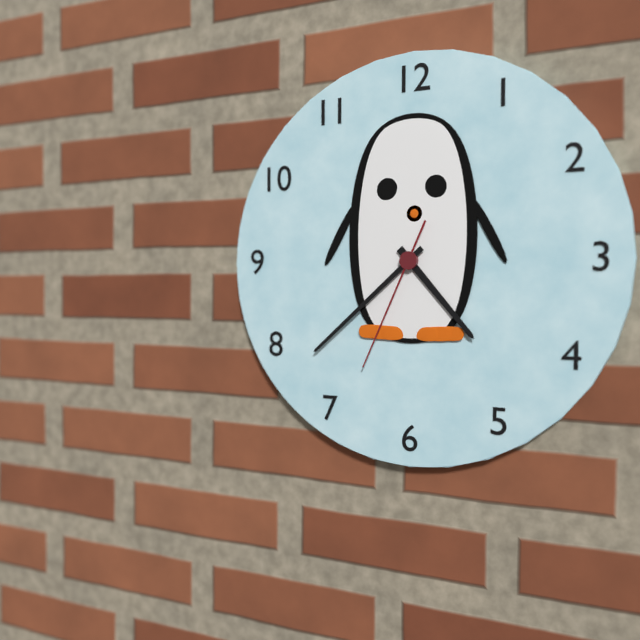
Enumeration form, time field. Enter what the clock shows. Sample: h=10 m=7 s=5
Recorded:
h=4 m=38 s=34
